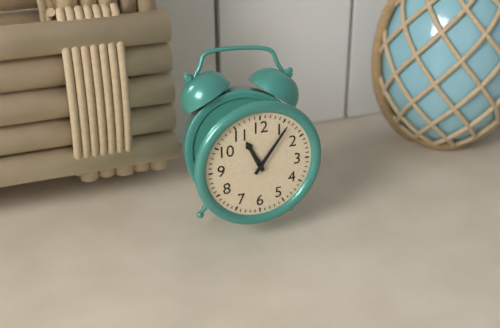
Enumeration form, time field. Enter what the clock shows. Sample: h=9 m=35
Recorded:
h=11 m=6
